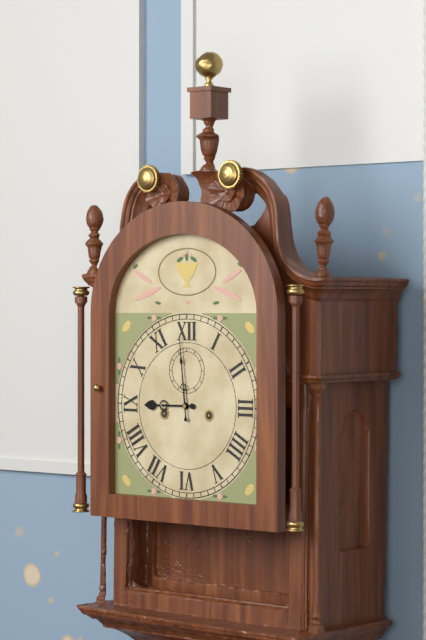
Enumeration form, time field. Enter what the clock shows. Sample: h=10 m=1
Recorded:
h=8 m=59
